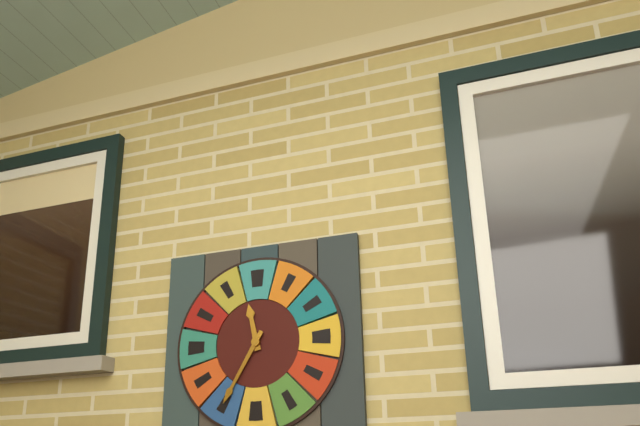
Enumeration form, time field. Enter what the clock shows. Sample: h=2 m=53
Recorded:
h=11 m=35
